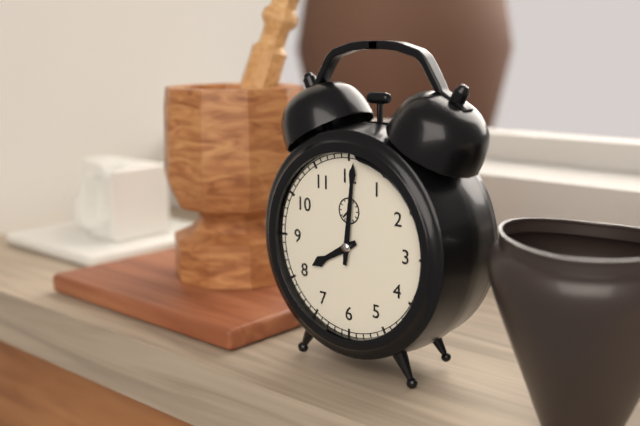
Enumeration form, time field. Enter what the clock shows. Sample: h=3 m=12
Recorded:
h=8 m=1
